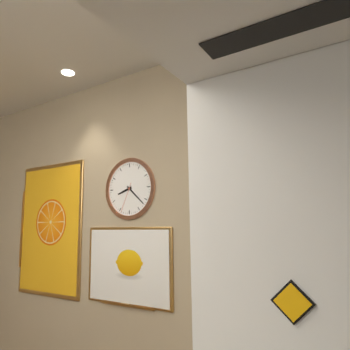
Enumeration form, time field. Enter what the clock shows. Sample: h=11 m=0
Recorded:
h=8 m=22
